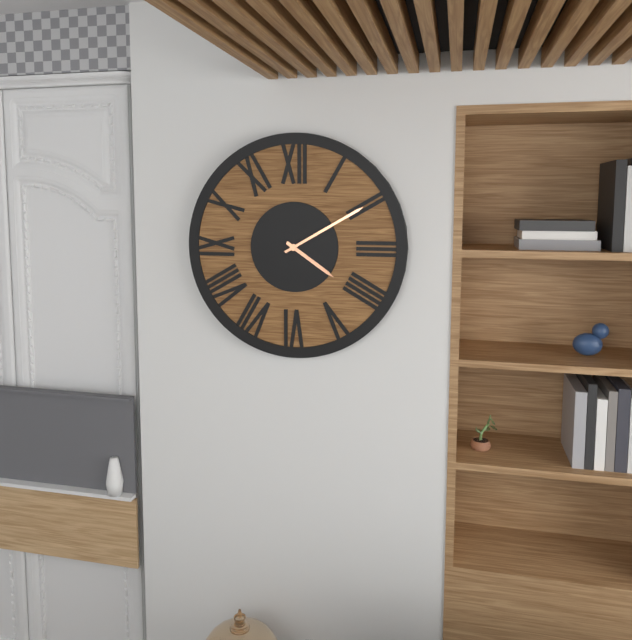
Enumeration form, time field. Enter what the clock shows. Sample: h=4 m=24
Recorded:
h=4 m=10
